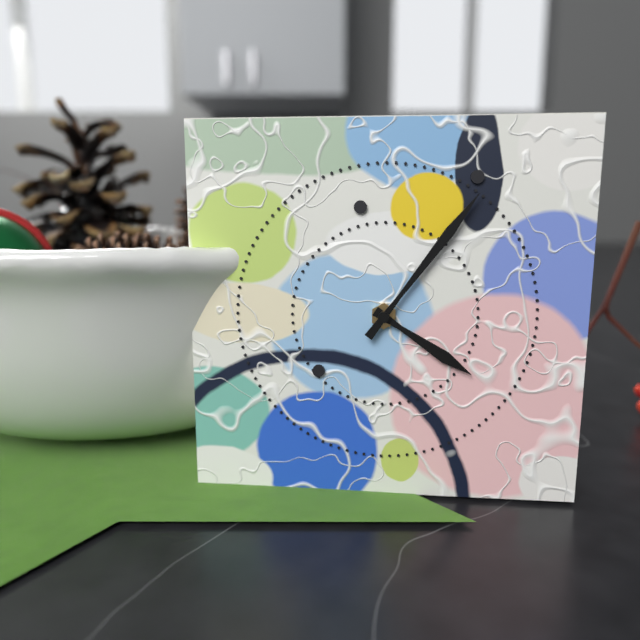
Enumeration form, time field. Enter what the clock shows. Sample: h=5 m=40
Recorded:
h=4 m=6
